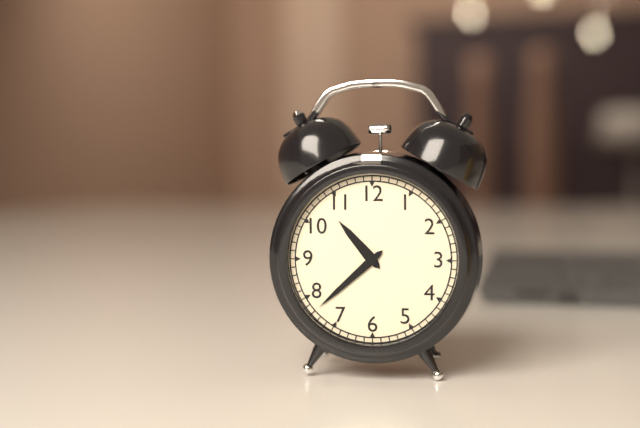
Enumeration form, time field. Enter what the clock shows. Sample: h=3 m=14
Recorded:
h=10 m=38
